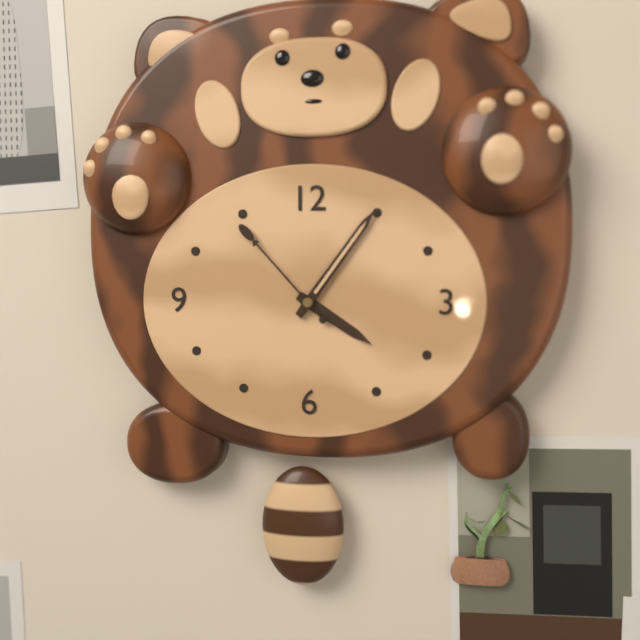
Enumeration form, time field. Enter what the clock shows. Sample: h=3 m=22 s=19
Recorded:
h=4 m=6 s=53
